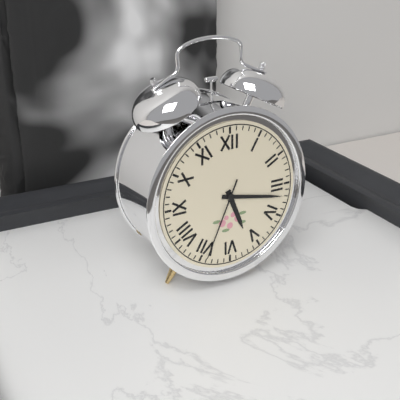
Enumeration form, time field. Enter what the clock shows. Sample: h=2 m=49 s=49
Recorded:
h=5 m=17 s=34
